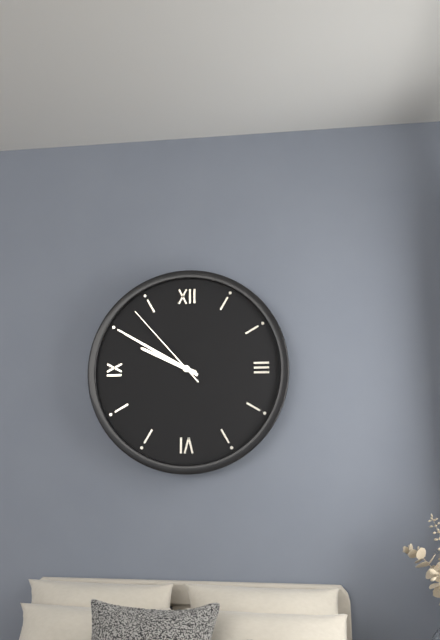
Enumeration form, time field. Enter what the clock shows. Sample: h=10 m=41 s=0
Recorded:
h=9 m=50 s=53
